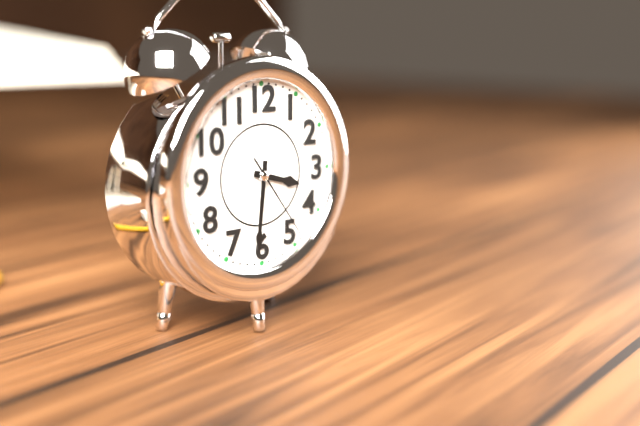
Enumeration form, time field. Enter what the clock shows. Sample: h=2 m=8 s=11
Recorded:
h=3 m=31 s=24
